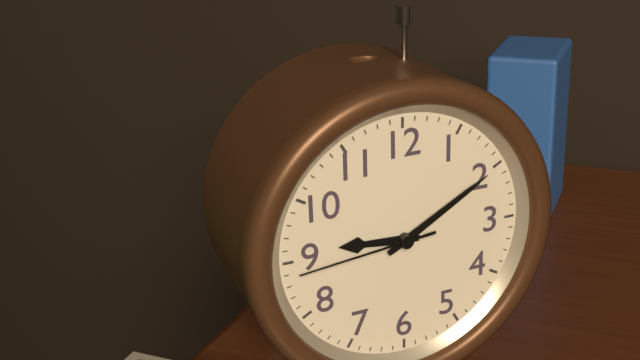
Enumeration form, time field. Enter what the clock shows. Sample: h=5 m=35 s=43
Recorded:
h=9 m=10 s=44
